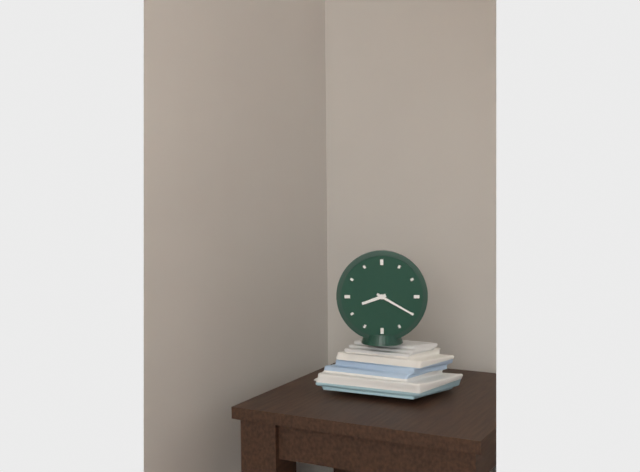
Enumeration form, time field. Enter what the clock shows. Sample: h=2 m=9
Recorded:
h=8 m=20
